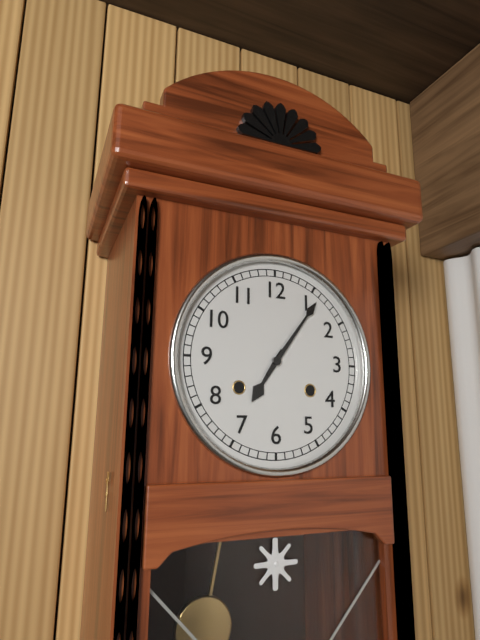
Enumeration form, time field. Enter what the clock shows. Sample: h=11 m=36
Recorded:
h=7 m=6
